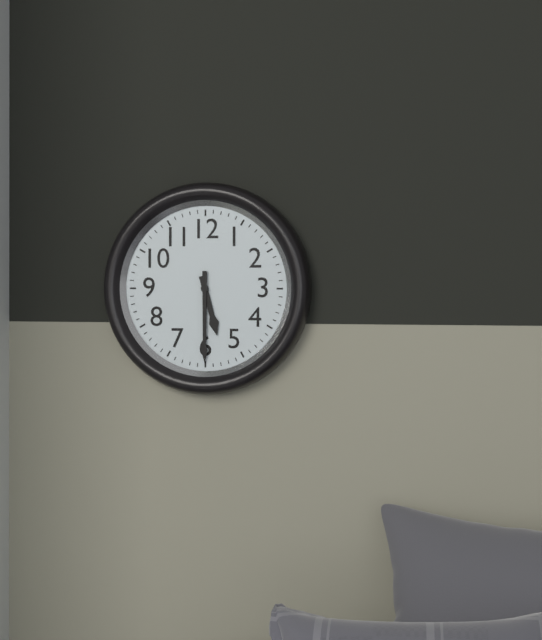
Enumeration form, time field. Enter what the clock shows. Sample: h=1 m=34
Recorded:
h=5 m=30
